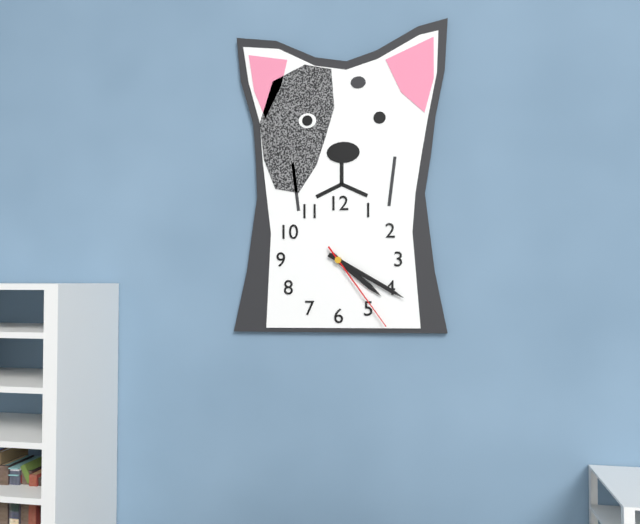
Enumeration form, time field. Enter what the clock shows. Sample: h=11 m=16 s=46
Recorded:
h=4 m=20 s=24
